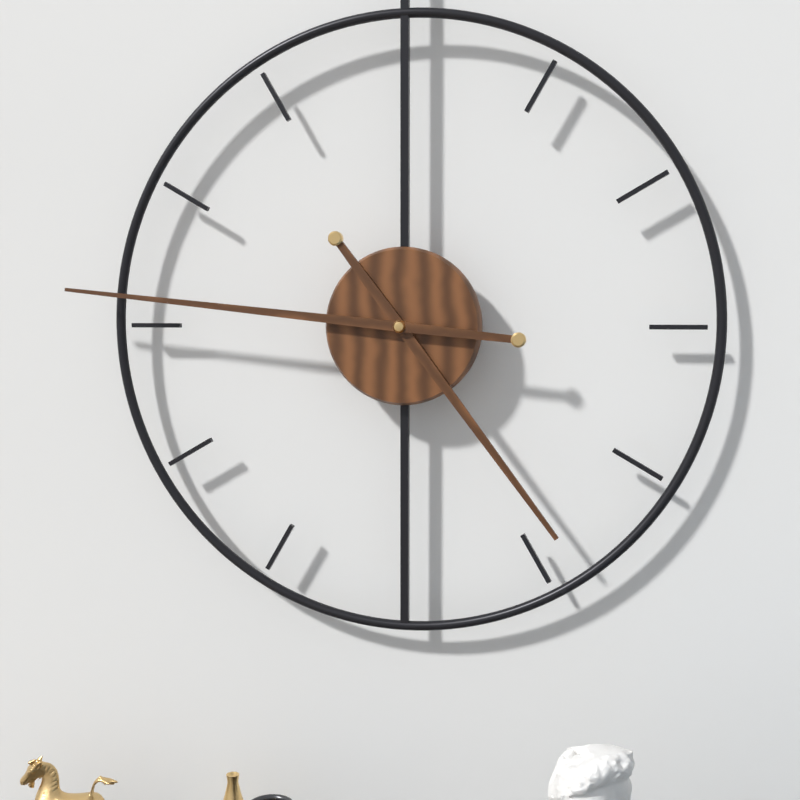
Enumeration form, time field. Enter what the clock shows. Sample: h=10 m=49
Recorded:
h=4 m=46
